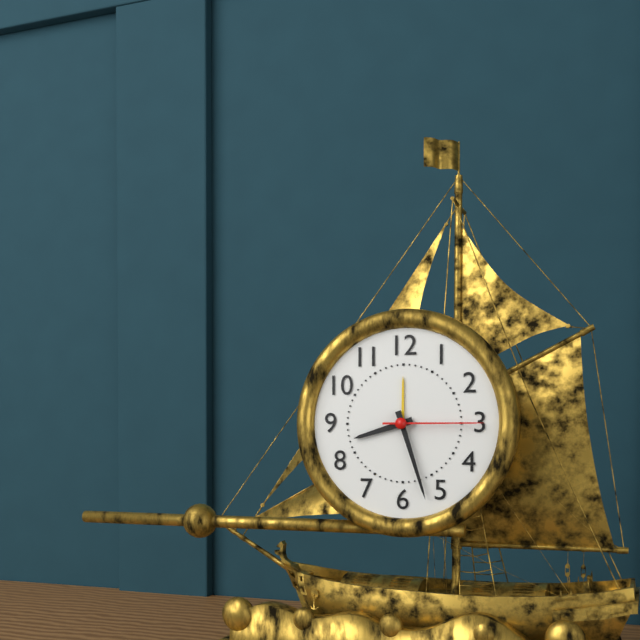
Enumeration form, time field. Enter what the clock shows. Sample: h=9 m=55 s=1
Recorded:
h=8 m=27 s=15
